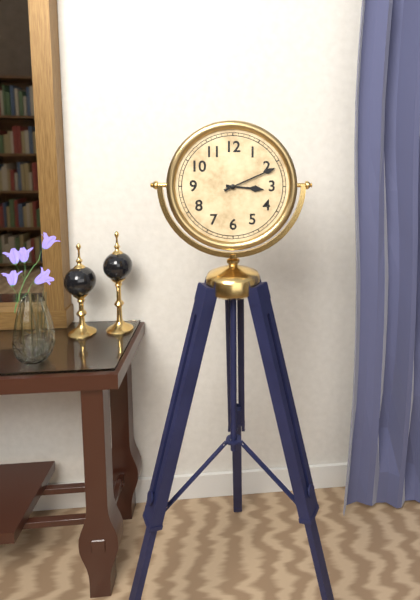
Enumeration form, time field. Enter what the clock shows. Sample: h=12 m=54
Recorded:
h=3 m=11
